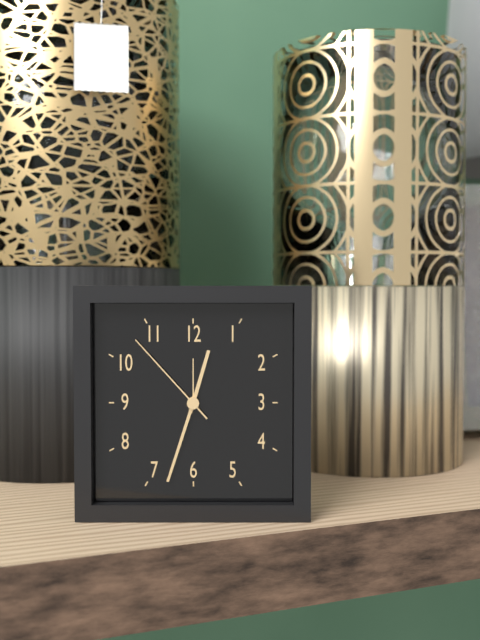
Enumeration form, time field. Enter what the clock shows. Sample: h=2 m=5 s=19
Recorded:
h=12 m=33 s=53
